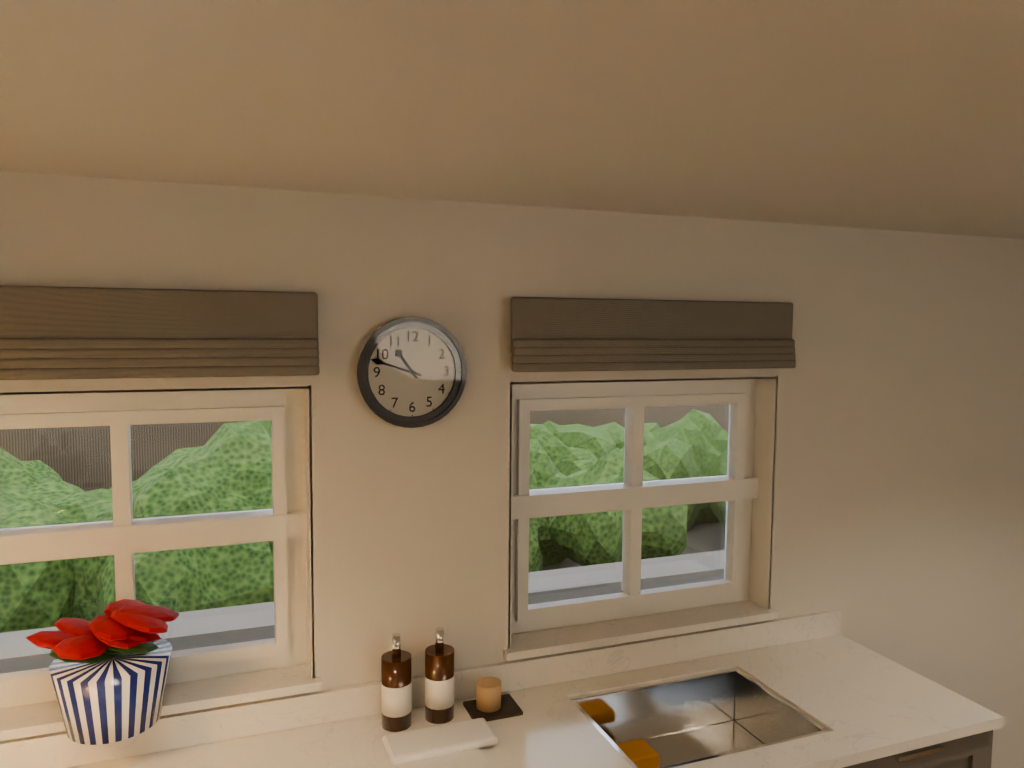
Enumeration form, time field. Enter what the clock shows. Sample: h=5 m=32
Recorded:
h=10 m=48
